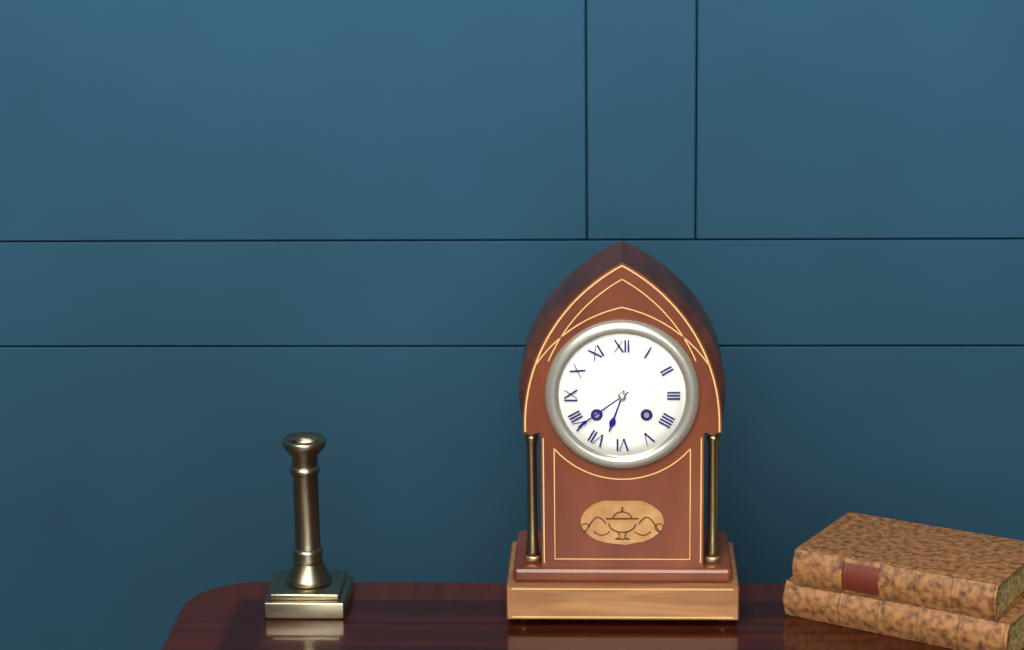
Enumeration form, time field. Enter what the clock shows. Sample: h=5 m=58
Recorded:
h=6 m=39
